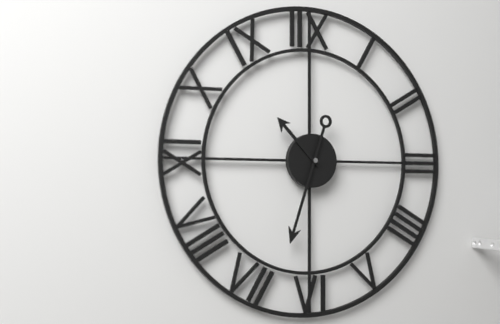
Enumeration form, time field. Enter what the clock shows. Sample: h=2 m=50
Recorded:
h=10 m=33
